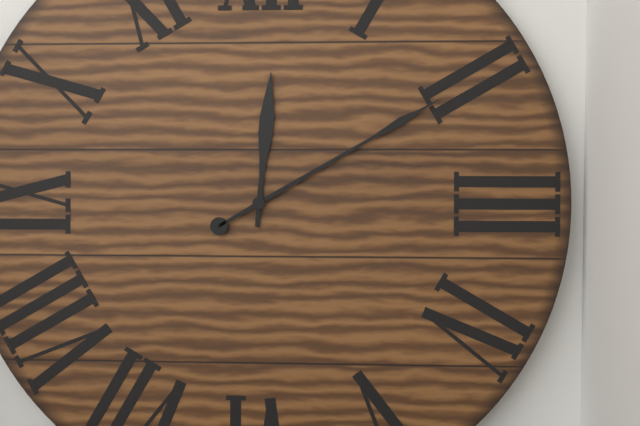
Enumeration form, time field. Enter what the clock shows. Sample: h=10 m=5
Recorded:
h=12 m=10
